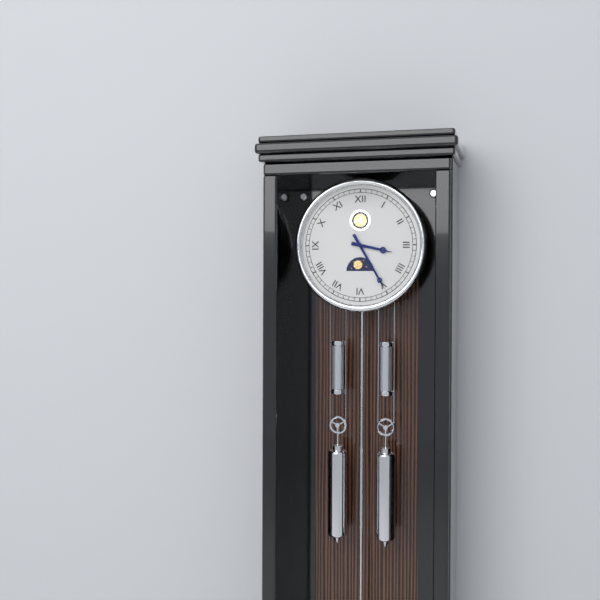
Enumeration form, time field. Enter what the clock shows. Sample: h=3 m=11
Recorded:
h=3 m=25
